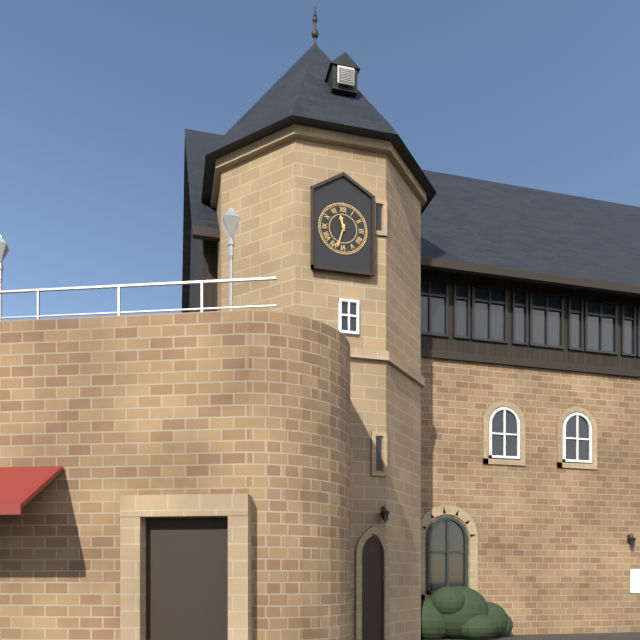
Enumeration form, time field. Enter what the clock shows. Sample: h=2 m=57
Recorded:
h=11 m=33
